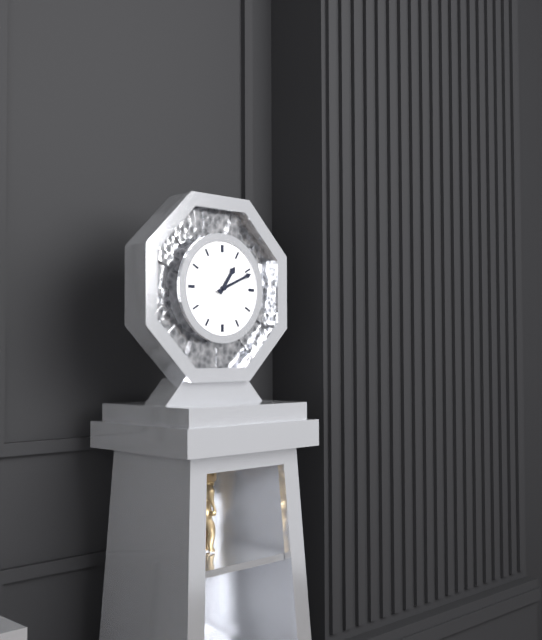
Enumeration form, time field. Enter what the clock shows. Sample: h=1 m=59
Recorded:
h=1 m=11
